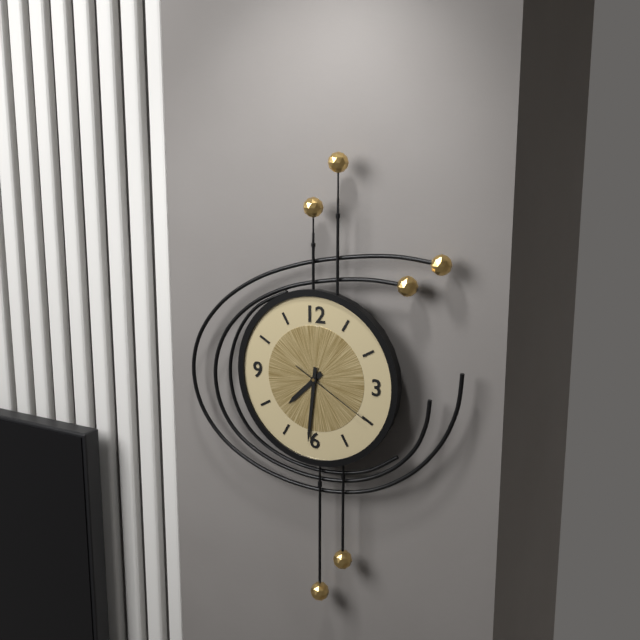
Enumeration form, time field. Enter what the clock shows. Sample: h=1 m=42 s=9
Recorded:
h=7 m=31 s=20
